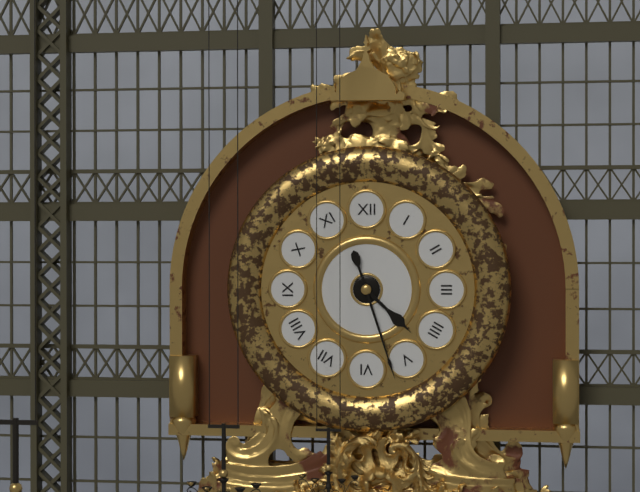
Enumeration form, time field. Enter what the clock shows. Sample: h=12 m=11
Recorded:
h=4 m=27
